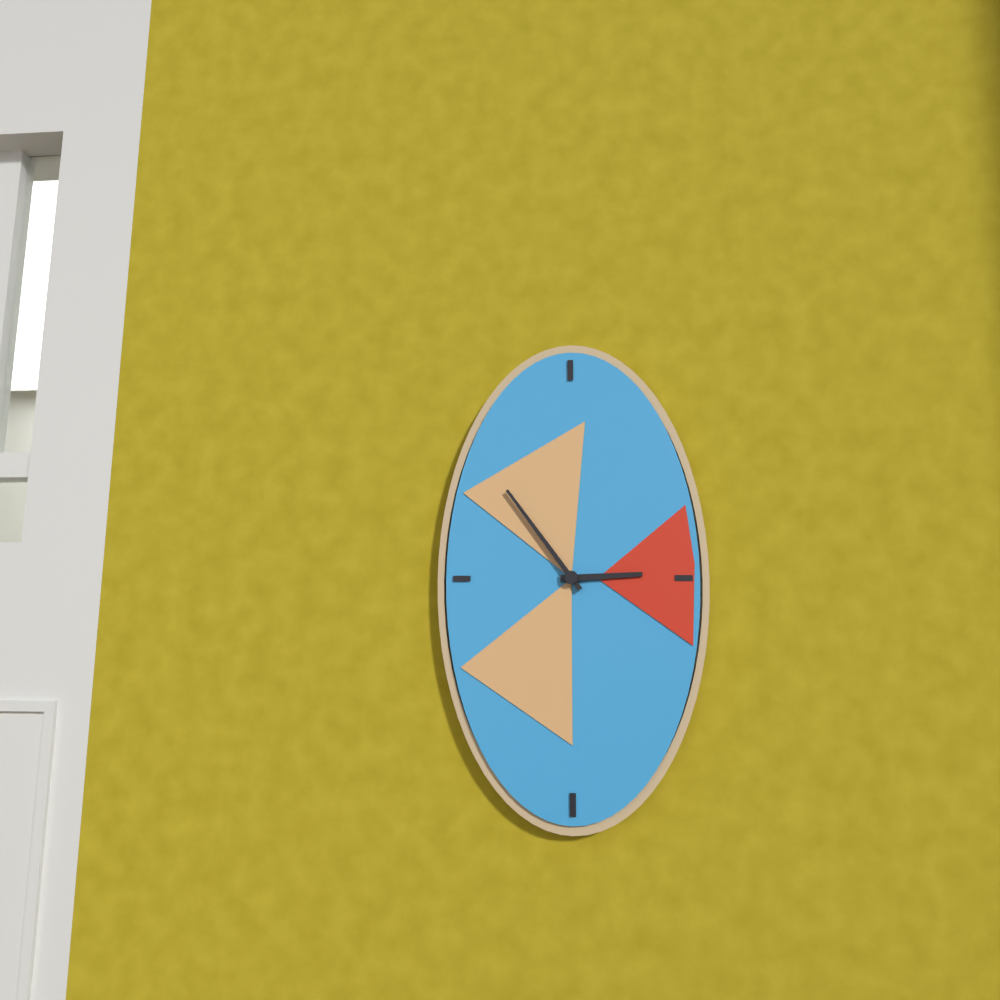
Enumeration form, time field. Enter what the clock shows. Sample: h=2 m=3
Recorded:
h=2 m=54
